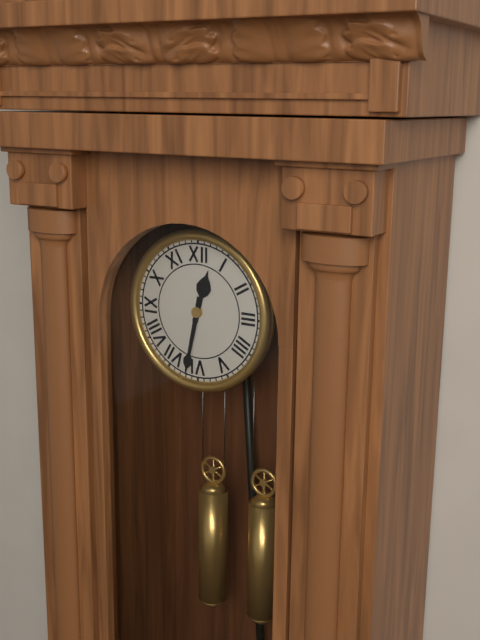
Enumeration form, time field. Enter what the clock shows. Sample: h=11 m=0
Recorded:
h=12 m=32
